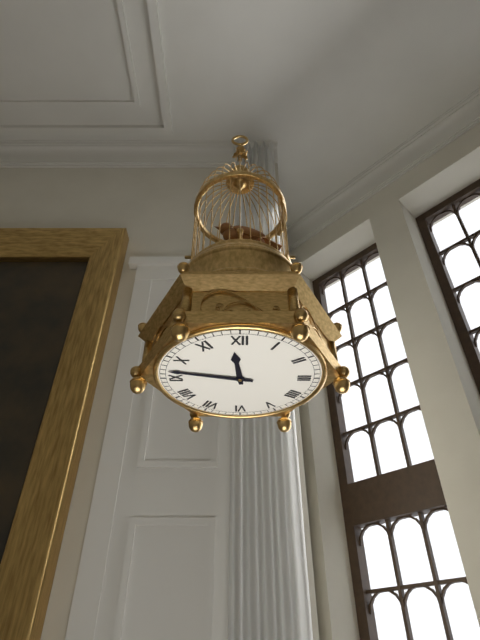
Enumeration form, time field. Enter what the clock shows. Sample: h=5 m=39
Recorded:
h=11 m=47
